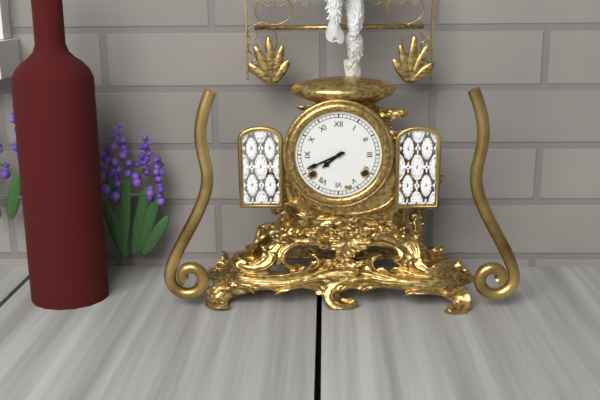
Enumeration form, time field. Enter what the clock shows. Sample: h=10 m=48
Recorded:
h=7 m=41
